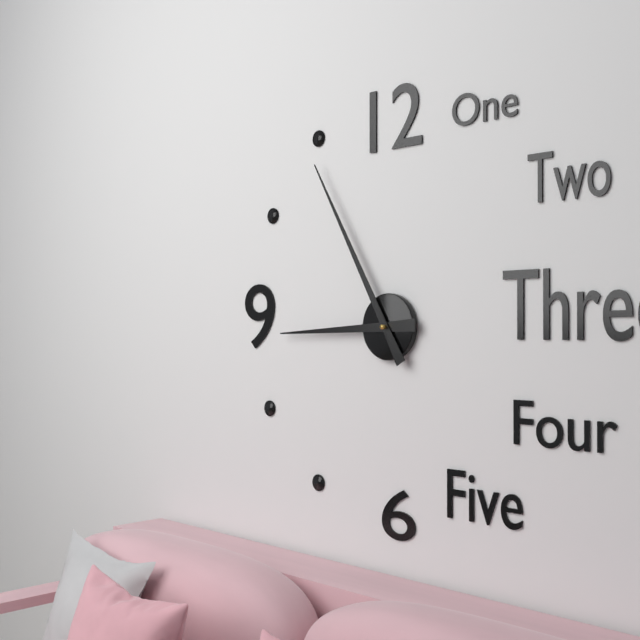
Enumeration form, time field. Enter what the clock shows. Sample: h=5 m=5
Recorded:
h=8 m=55
